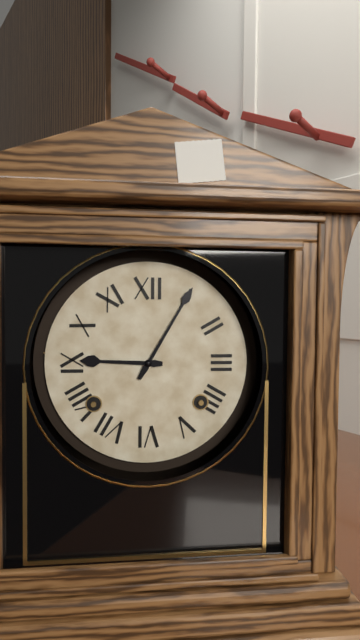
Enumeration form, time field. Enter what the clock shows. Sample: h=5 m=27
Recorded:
h=9 m=5
